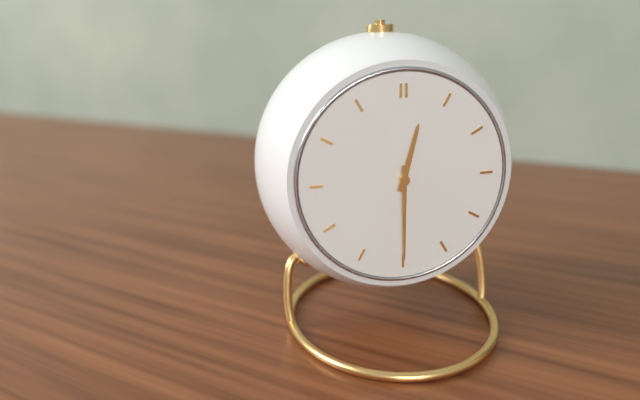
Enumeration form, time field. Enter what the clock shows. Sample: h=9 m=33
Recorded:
h=12 m=30
